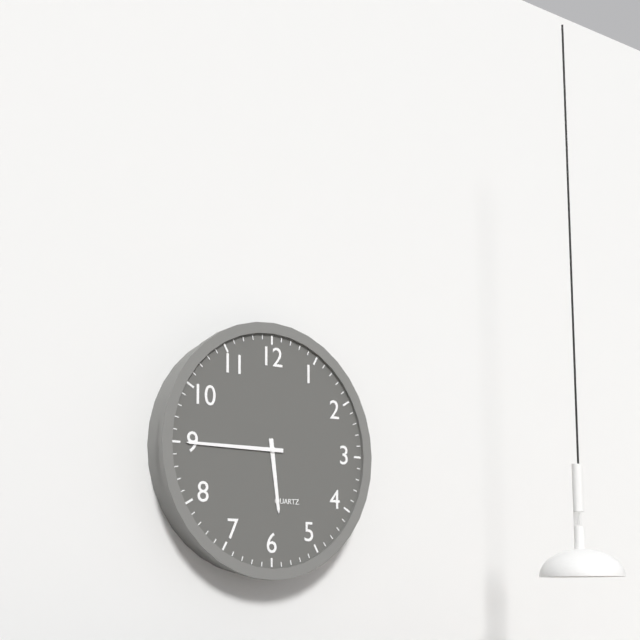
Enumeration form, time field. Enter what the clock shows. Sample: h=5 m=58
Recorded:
h=5 m=45
